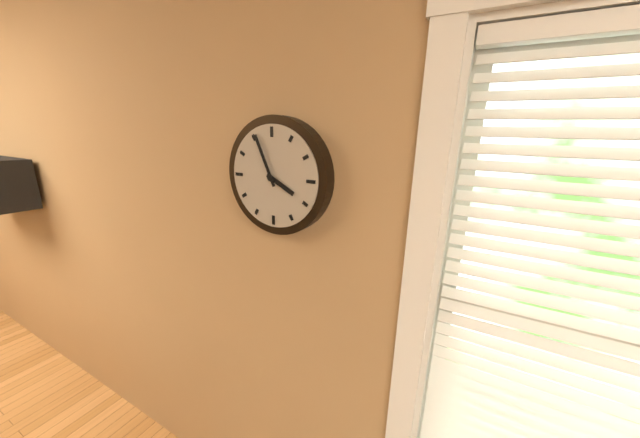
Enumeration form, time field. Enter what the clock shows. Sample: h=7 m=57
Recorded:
h=3 m=56
